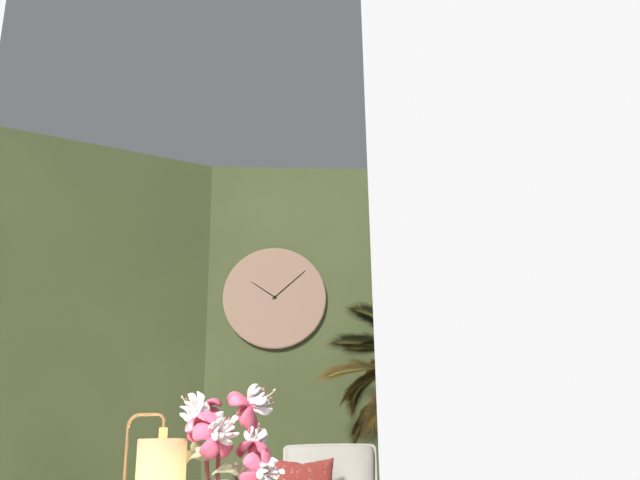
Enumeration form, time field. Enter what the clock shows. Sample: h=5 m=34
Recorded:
h=10 m=8
